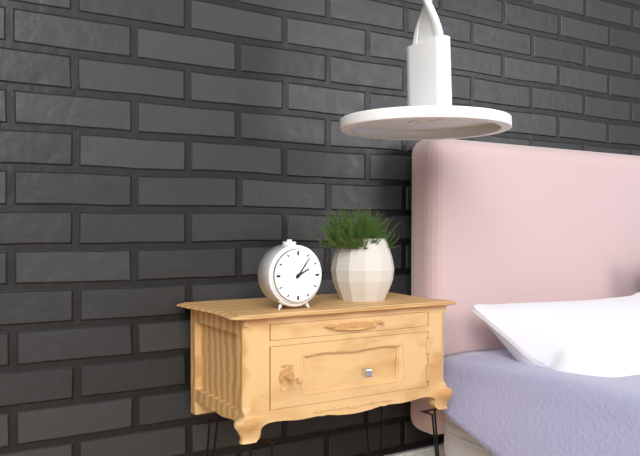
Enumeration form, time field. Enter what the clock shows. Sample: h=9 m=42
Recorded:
h=2 m=6
